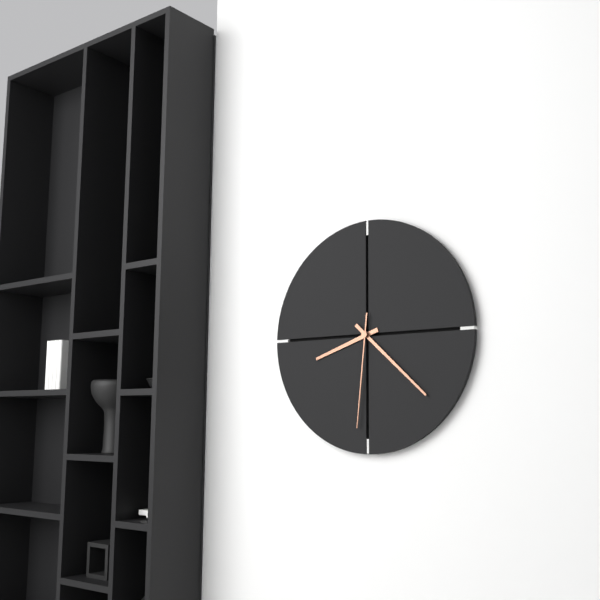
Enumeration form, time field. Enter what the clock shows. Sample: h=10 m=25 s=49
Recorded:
h=8 m=22 s=31
